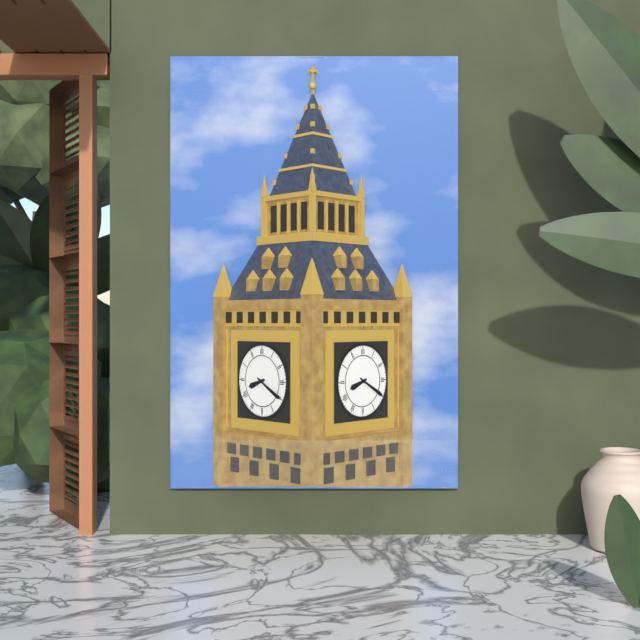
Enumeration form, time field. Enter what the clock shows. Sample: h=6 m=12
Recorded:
h=8 m=20
